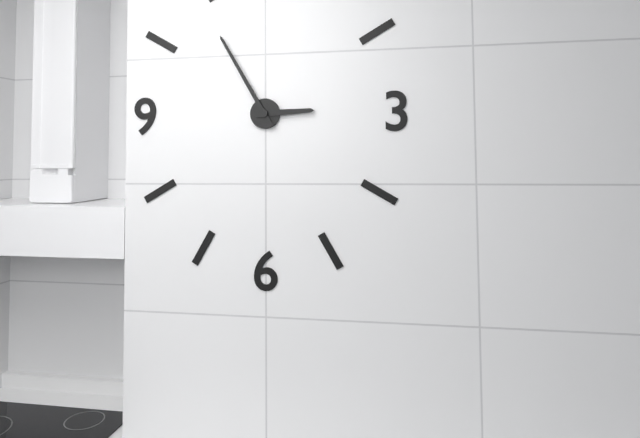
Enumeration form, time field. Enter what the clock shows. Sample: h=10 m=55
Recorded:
h=2 m=55
